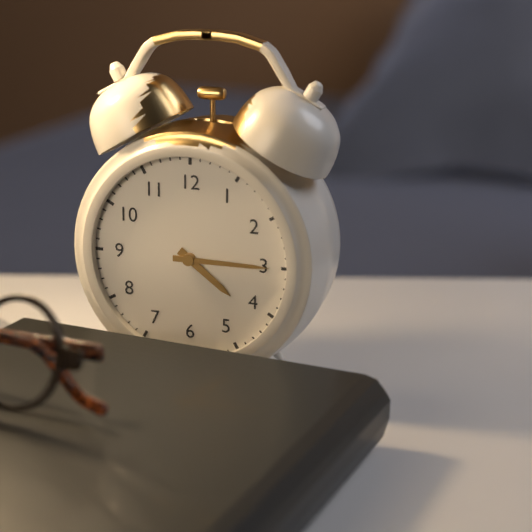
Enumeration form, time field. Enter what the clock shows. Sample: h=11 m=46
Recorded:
h=4 m=15
